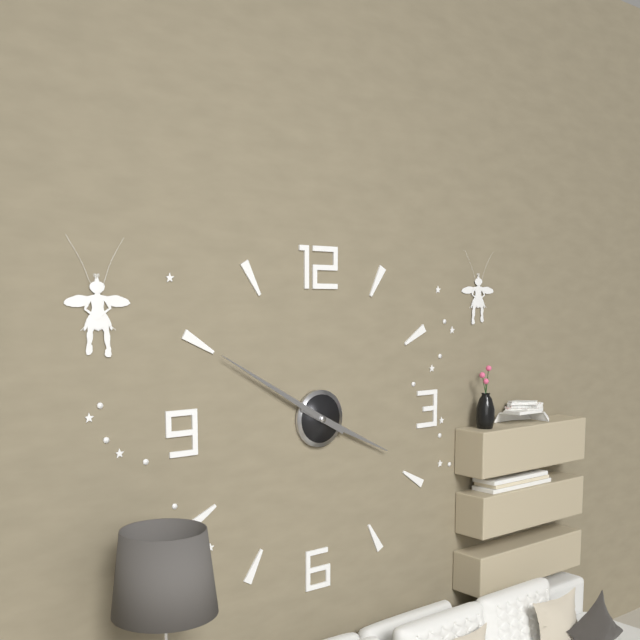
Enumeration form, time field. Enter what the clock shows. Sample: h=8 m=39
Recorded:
h=3 m=50
